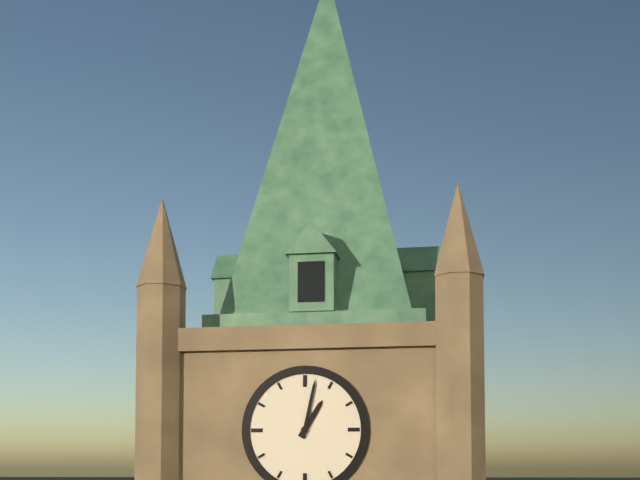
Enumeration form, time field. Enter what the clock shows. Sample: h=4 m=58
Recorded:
h=1 m=2
